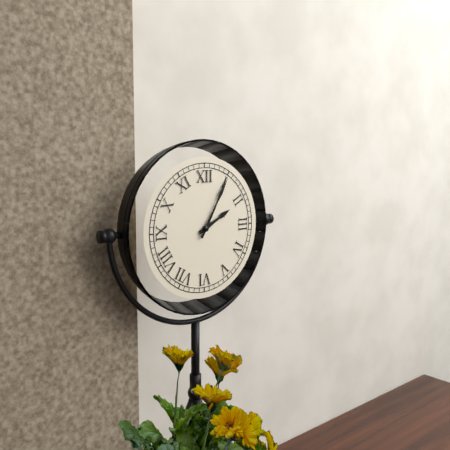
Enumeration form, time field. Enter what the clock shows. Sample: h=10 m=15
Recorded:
h=2 m=5
